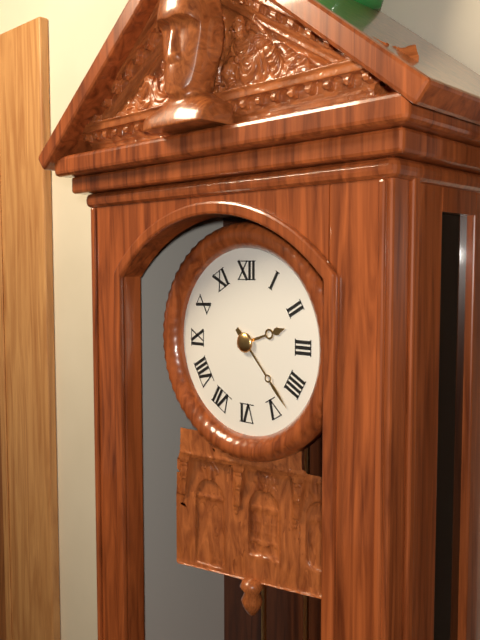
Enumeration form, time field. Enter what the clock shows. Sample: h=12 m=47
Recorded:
h=2 m=23
